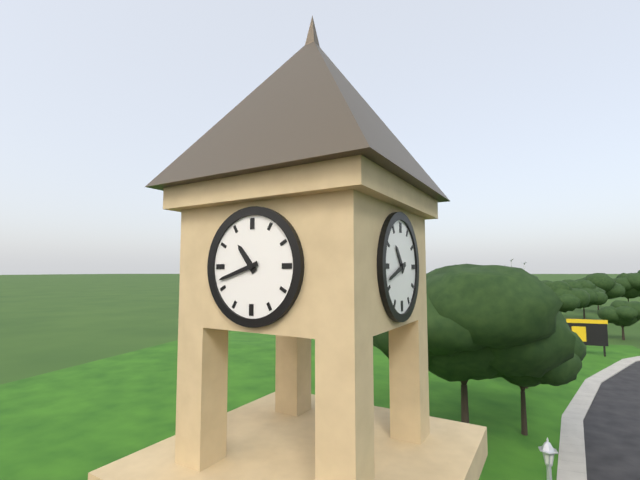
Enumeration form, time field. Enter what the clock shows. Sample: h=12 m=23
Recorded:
h=10 m=42
